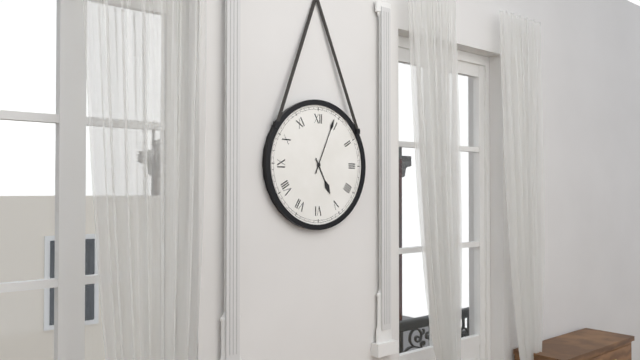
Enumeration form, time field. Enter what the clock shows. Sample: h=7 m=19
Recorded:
h=5 m=4
